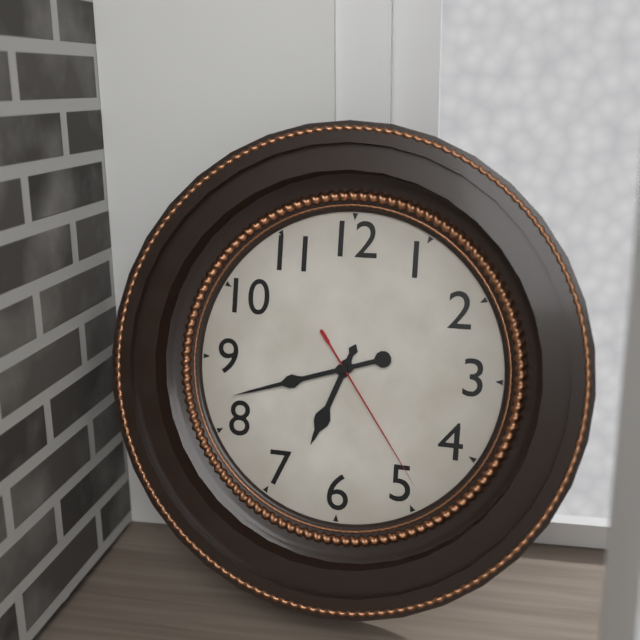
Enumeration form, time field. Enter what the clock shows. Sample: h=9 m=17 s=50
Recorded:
h=6 m=42 s=24
